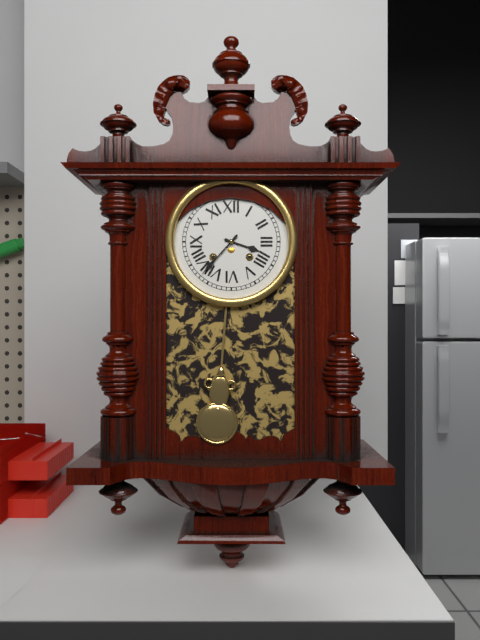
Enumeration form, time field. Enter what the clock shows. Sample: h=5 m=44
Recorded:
h=3 m=37
